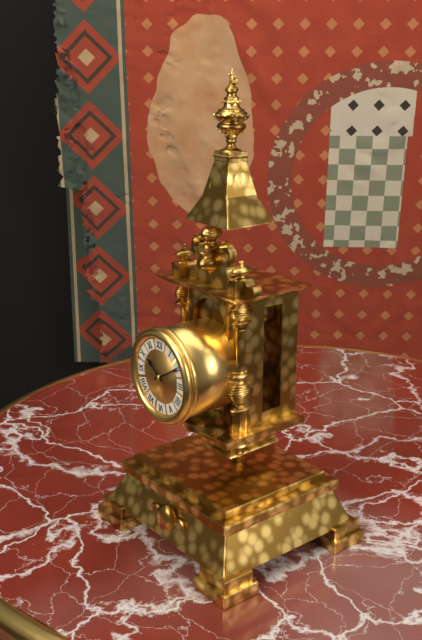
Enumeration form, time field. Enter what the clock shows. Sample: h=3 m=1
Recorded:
h=10 m=10
